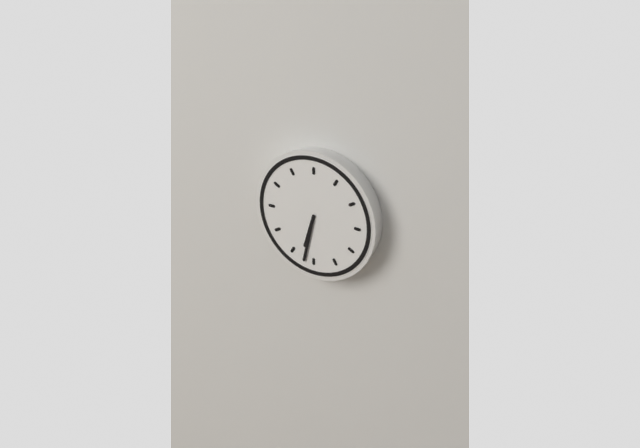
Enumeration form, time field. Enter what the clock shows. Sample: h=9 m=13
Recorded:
h=6 m=32
